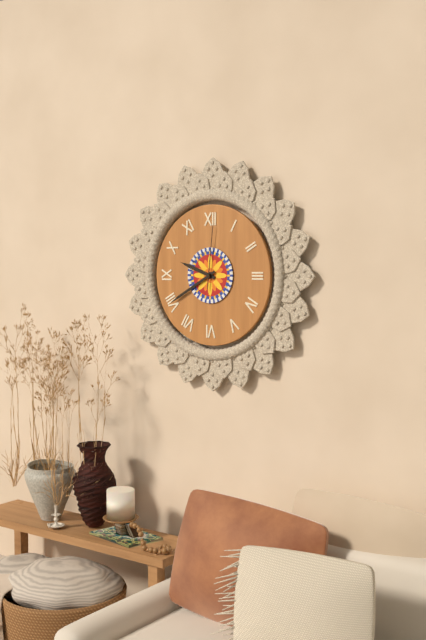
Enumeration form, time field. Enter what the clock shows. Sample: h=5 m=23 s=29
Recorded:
h=9 m=40 s=1
